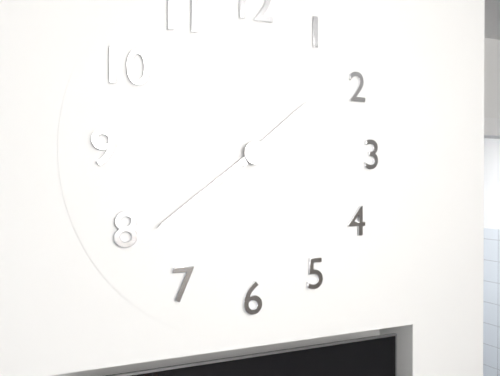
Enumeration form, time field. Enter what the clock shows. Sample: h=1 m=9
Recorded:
h=1 m=39
